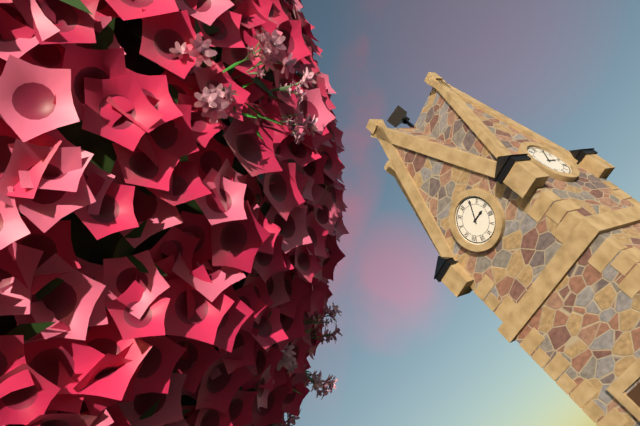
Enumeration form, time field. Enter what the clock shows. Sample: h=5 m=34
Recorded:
h=3 m=6
